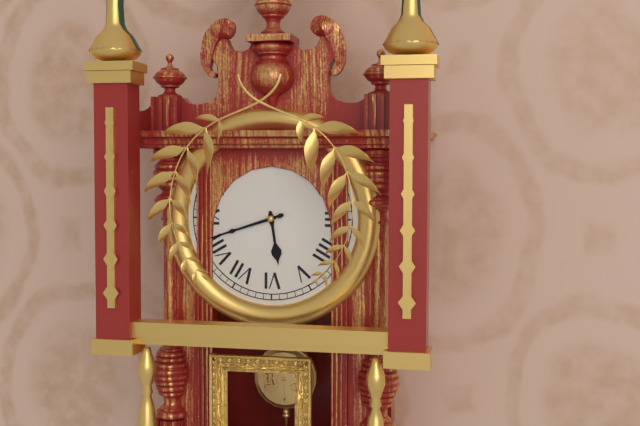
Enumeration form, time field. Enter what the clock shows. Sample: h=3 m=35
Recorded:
h=5 m=42
